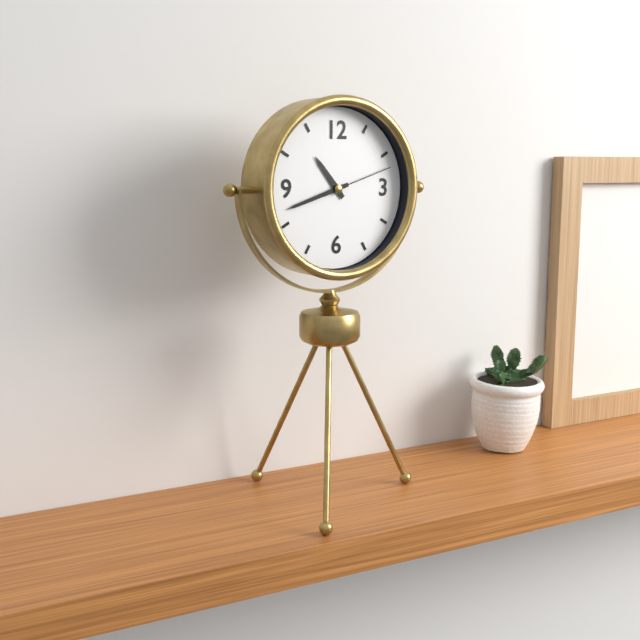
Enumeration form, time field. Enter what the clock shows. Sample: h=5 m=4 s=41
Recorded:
h=10 m=42 s=12
